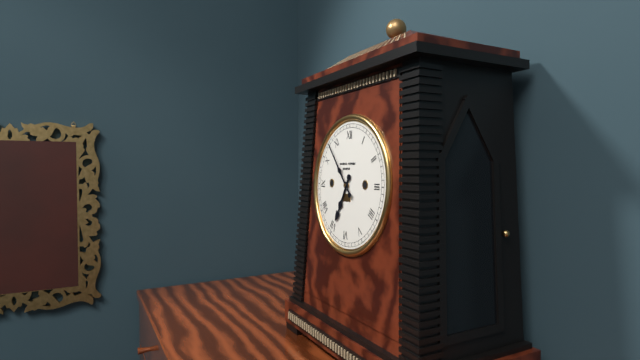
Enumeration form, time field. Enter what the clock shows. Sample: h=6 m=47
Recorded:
h=6 m=53
